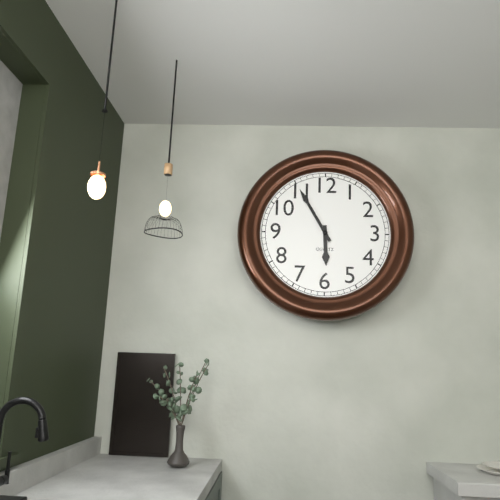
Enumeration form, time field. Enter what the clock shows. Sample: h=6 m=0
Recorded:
h=5 m=55
